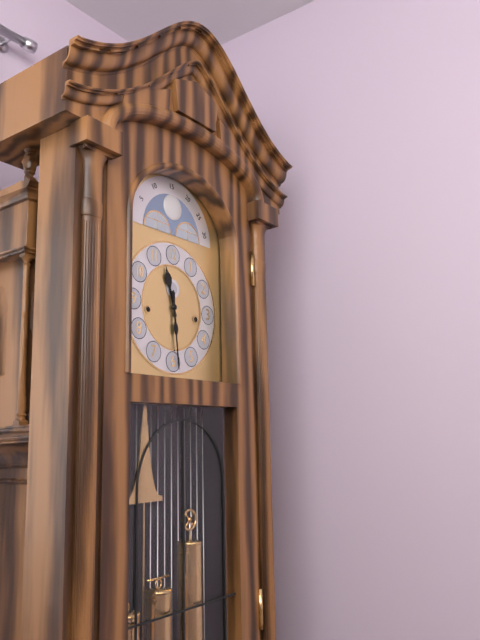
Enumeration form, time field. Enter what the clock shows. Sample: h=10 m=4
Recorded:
h=11 m=29
